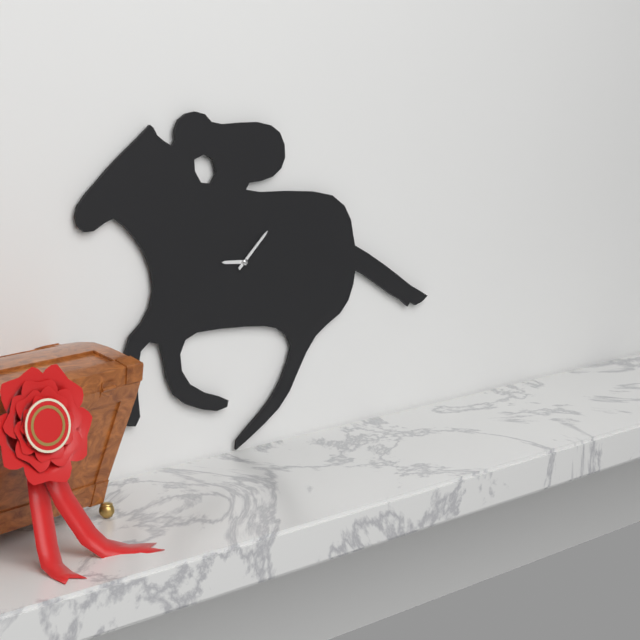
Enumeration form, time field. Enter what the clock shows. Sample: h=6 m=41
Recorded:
h=9 m=8
